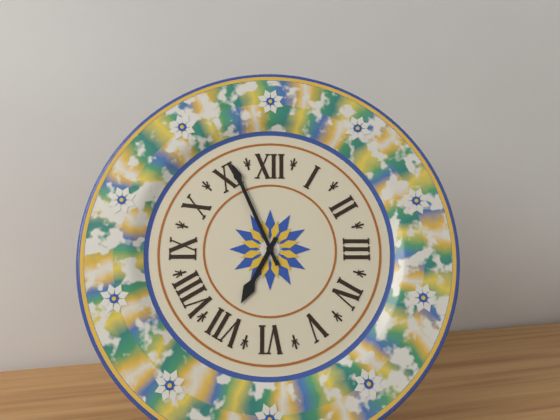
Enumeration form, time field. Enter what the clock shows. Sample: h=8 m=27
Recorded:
h=6 m=56
